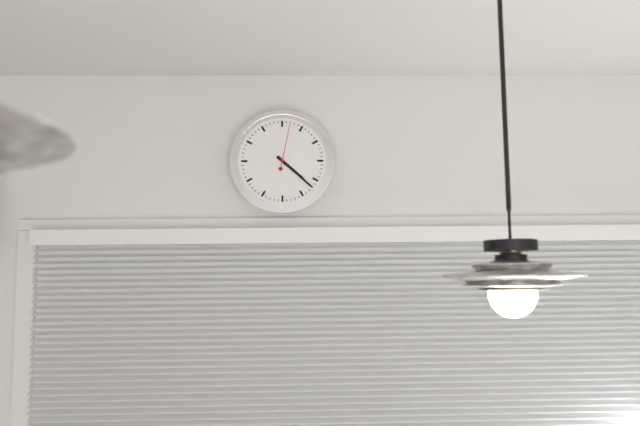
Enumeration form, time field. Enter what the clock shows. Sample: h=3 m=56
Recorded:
h=4 m=22
